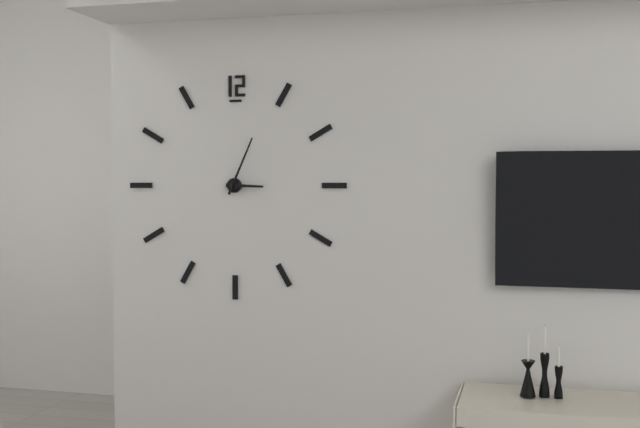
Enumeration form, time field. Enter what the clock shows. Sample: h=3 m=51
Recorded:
h=3 m=4
